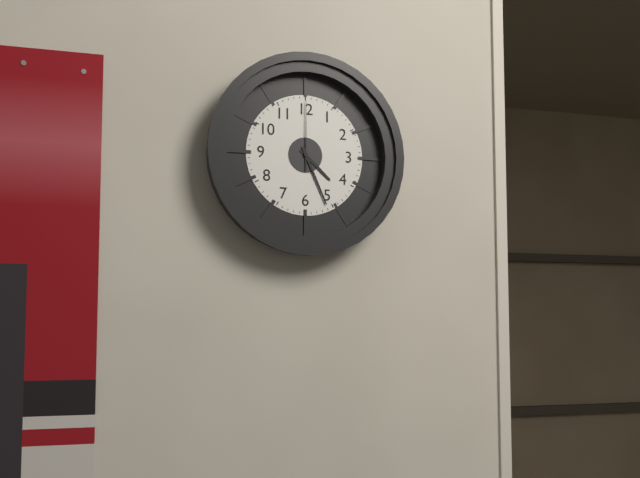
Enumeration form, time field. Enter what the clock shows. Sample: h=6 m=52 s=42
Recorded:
h=4 m=26 s=0
